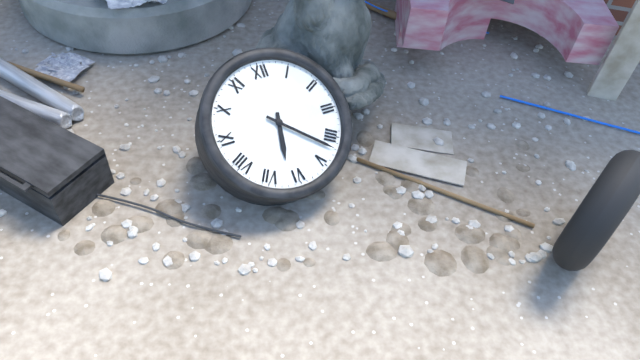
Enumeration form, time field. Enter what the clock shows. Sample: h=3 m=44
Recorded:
h=6 m=22
